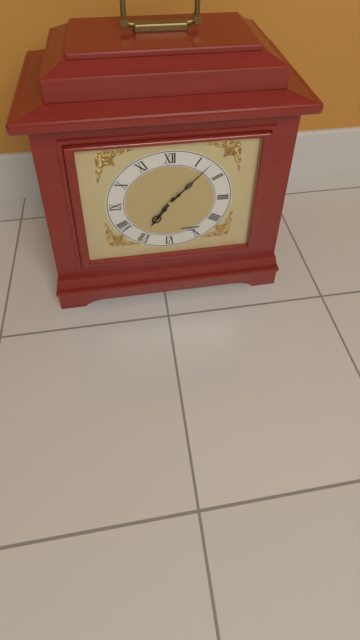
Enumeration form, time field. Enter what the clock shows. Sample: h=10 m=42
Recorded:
h=7 m=7
